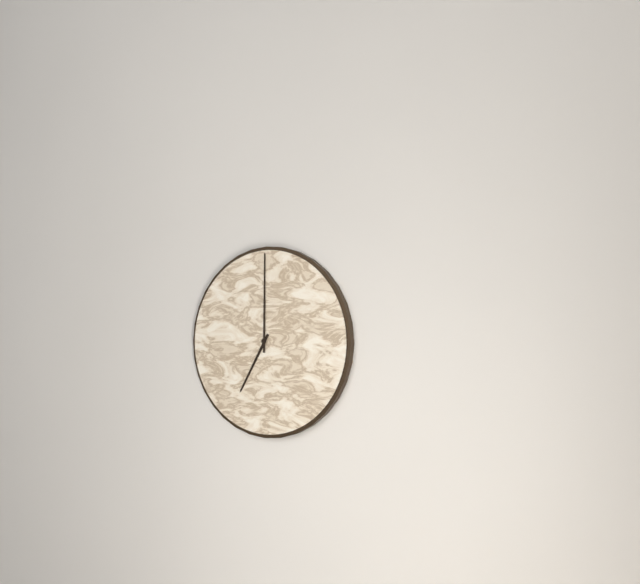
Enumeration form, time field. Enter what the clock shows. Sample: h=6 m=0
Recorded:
h=7 m=0
